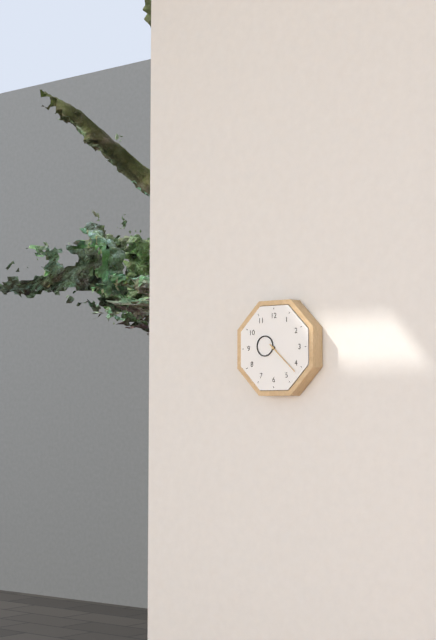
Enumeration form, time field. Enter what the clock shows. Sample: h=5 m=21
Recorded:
h=9 m=22
